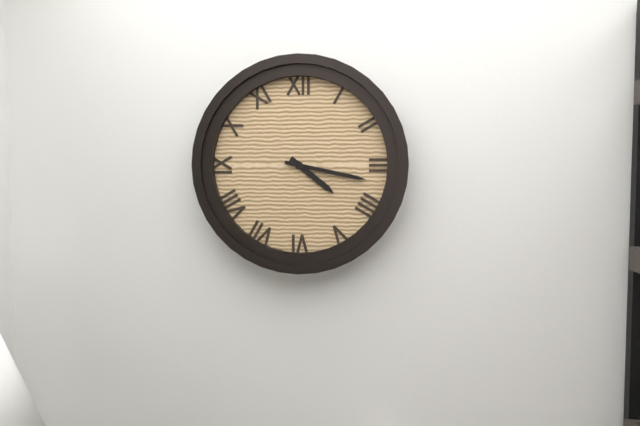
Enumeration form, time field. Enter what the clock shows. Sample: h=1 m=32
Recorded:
h=4 m=17
